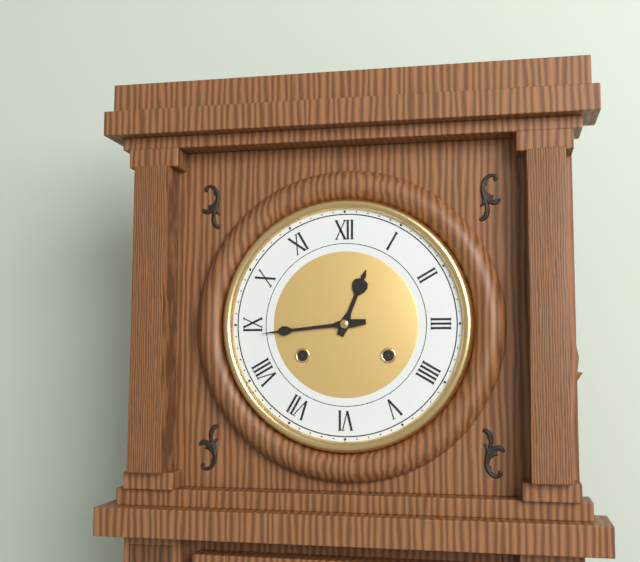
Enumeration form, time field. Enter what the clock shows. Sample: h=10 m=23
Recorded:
h=12 m=44
